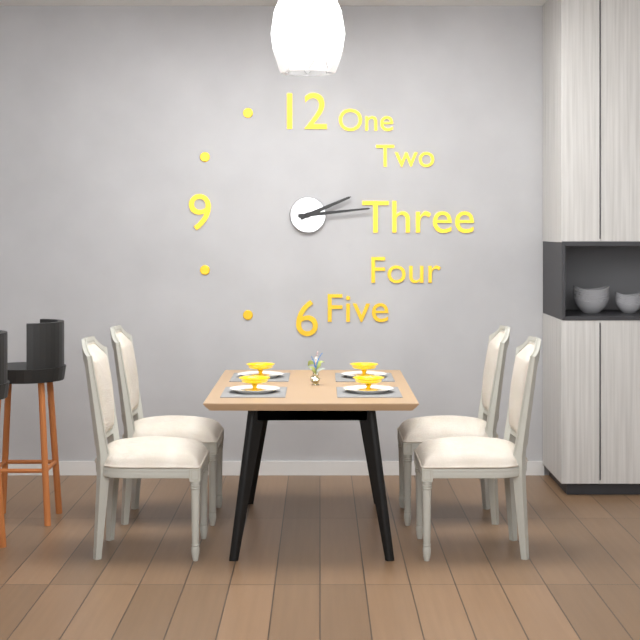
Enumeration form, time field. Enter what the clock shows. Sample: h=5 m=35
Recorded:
h=2 m=14
